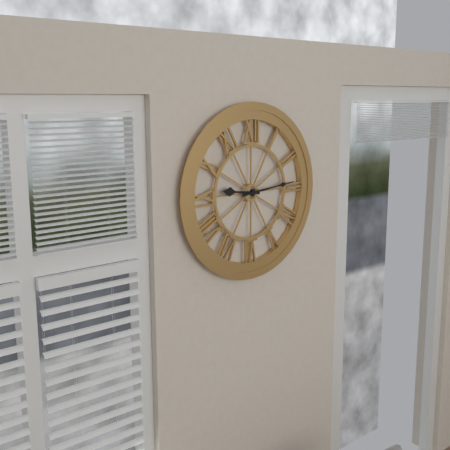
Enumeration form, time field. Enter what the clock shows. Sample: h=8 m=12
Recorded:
h=9 m=14
